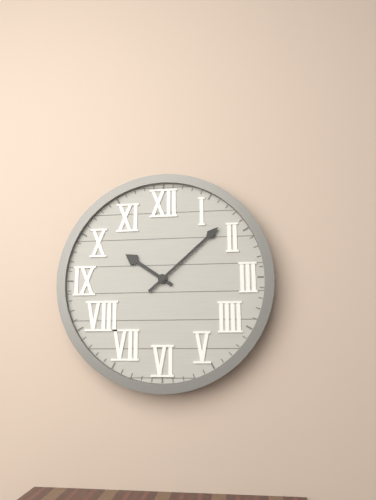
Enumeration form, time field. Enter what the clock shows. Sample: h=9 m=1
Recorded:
h=10 m=8
